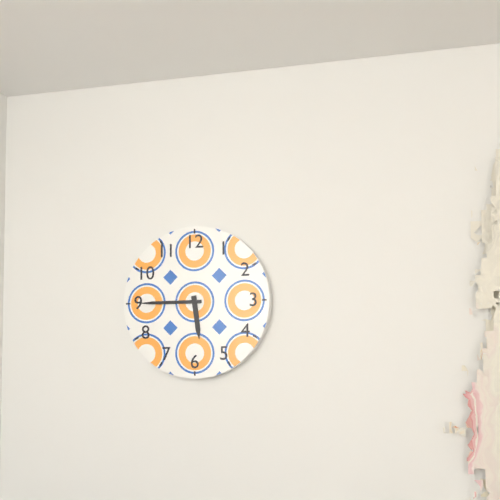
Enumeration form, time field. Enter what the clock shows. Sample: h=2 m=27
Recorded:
h=5 m=45
